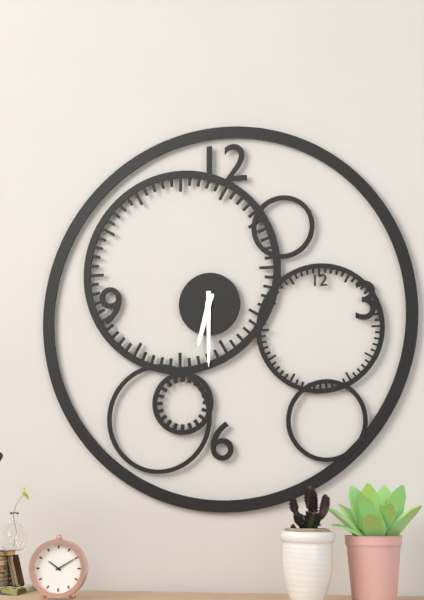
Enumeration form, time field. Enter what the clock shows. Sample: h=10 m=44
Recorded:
h=6 m=30
